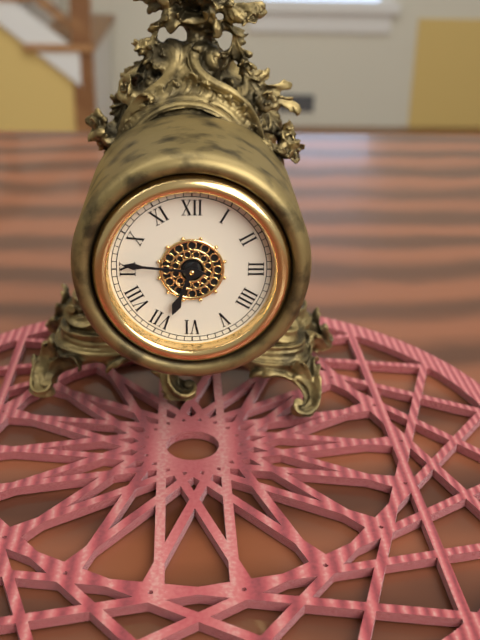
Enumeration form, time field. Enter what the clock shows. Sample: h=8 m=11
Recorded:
h=6 m=46
